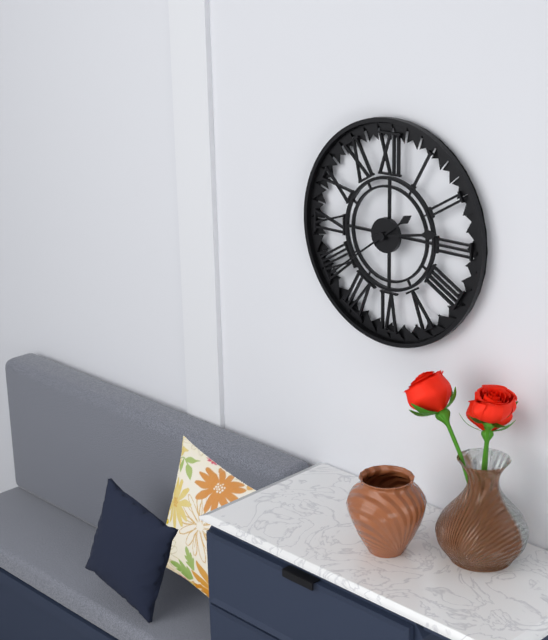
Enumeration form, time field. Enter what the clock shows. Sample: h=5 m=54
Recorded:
h=2 m=39
